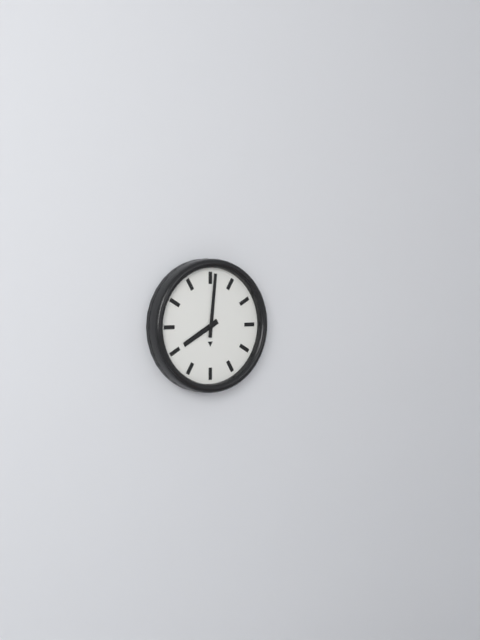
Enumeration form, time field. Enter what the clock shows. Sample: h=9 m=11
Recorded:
h=8 m=1
